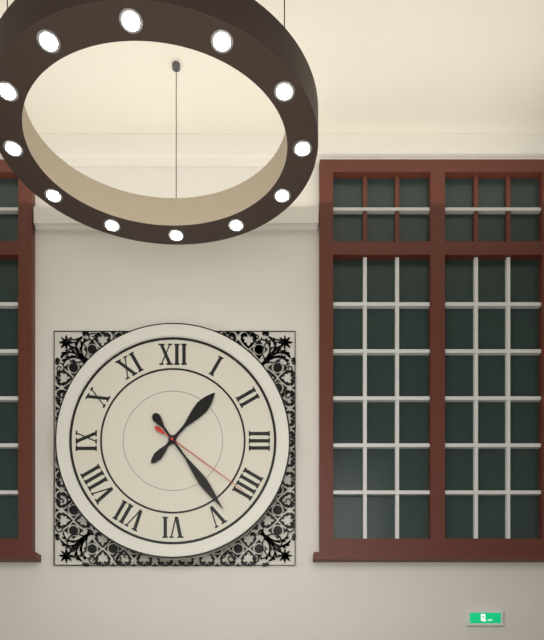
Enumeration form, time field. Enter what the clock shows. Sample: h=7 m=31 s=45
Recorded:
h=1 m=24 s=21
